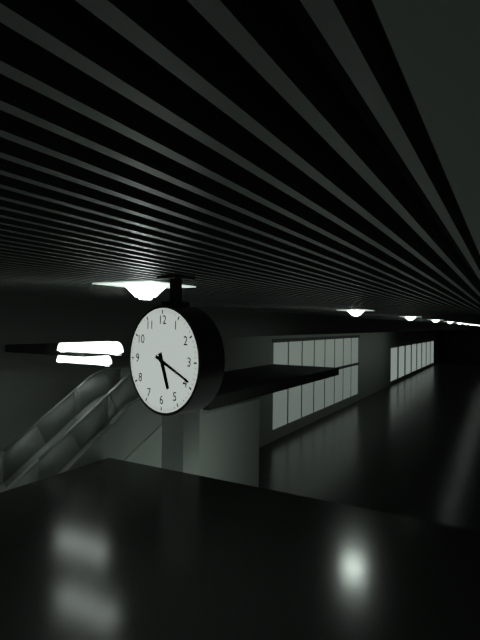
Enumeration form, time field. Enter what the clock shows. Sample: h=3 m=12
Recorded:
h=5 m=19
